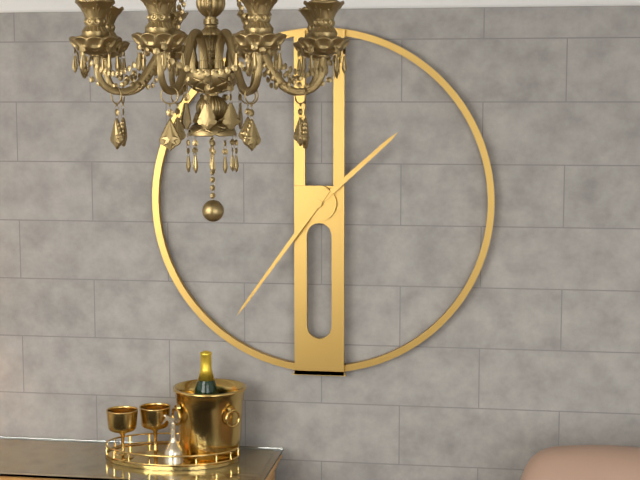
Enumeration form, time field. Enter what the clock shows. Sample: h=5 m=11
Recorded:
h=1 m=36
